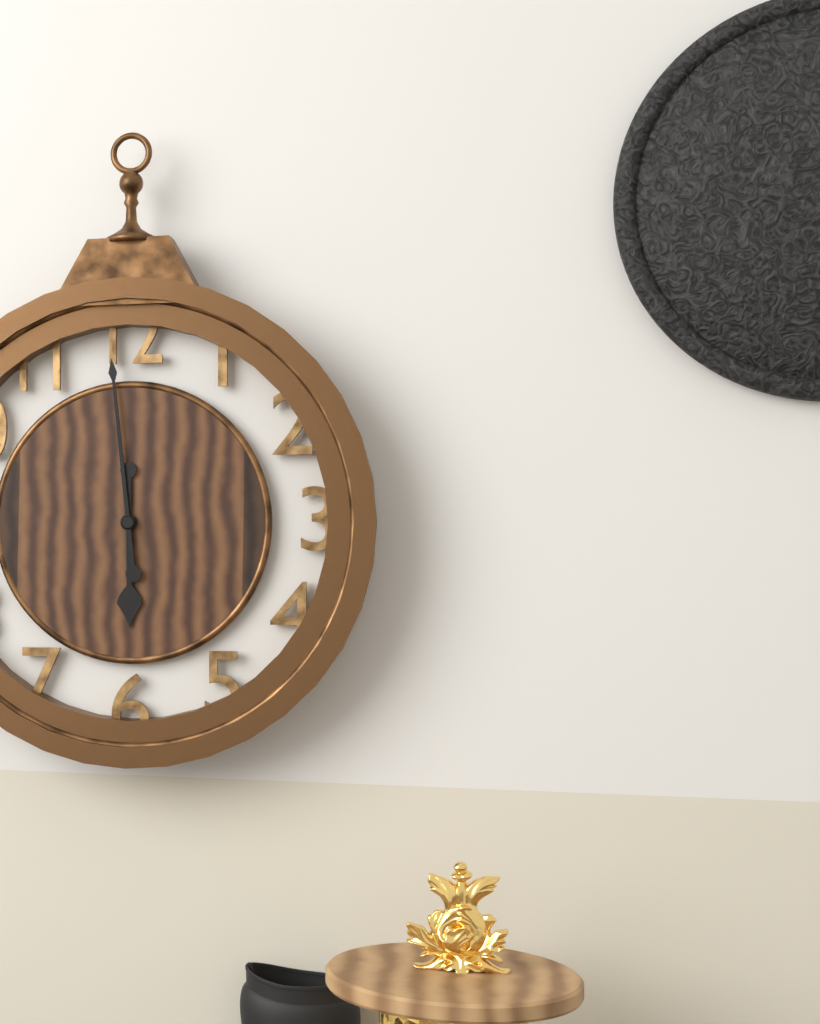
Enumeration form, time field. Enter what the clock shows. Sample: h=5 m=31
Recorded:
h=5 m=59
